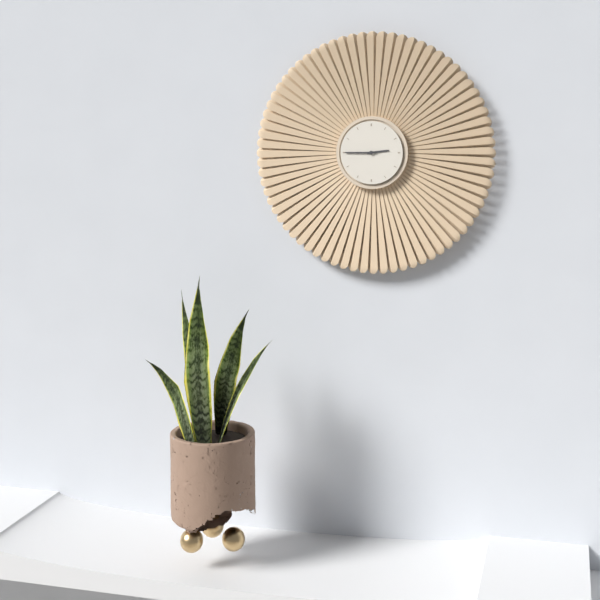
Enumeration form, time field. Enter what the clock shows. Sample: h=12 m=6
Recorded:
h=2 m=45
